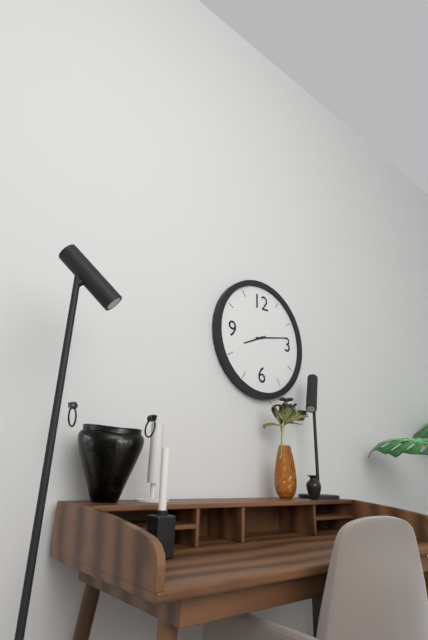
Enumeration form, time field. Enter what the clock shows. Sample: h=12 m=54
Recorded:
h=8 m=13
